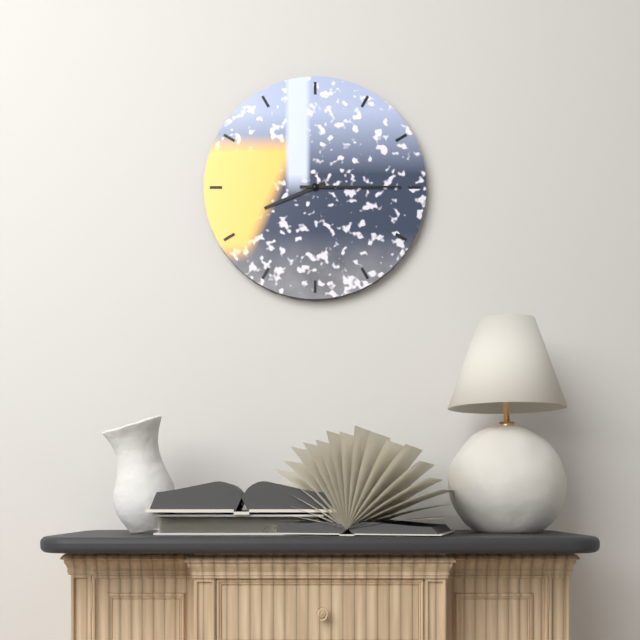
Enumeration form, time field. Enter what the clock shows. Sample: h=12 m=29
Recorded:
h=8 m=15
